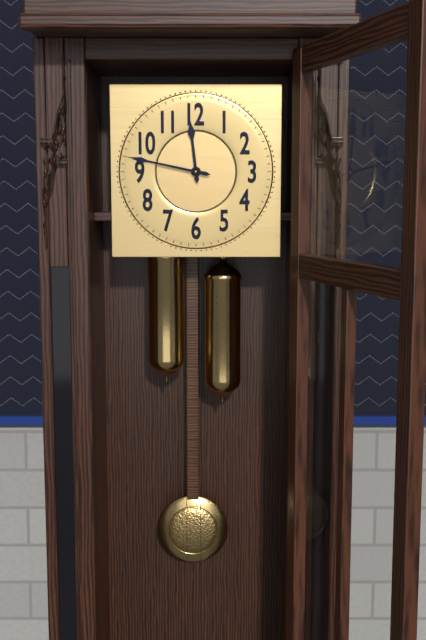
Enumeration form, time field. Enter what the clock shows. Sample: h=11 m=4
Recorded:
h=11 m=47
